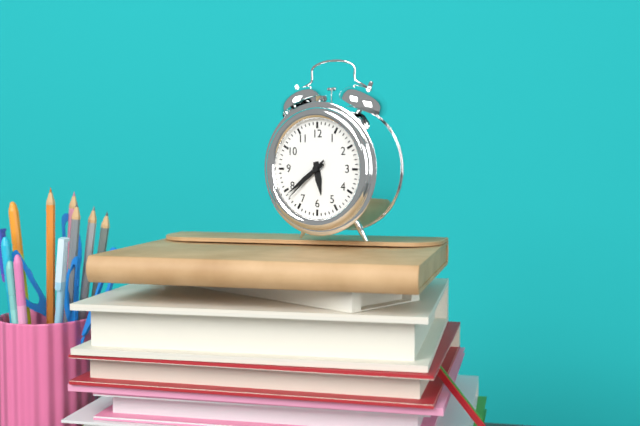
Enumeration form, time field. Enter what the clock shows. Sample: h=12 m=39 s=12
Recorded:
h=5 m=39 s=38
